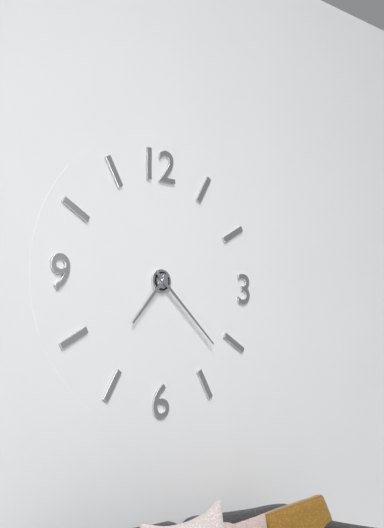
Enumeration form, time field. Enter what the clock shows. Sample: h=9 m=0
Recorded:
h=7 m=22
